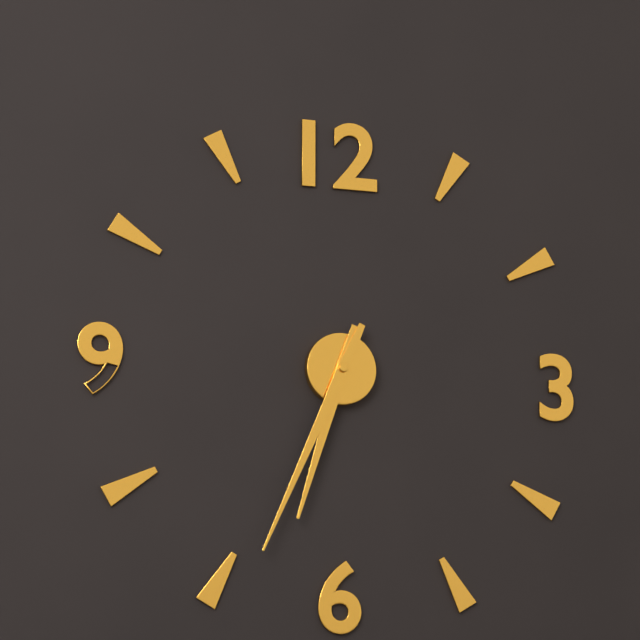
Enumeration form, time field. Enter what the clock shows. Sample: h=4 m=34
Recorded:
h=6 m=34
